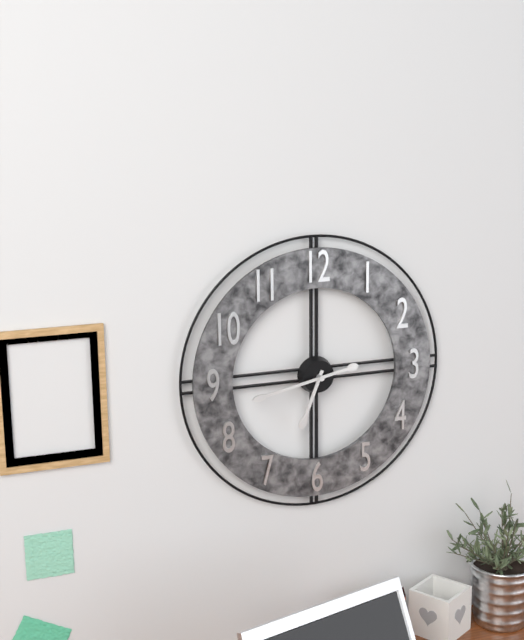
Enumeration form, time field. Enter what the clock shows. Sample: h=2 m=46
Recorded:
h=6 m=43
